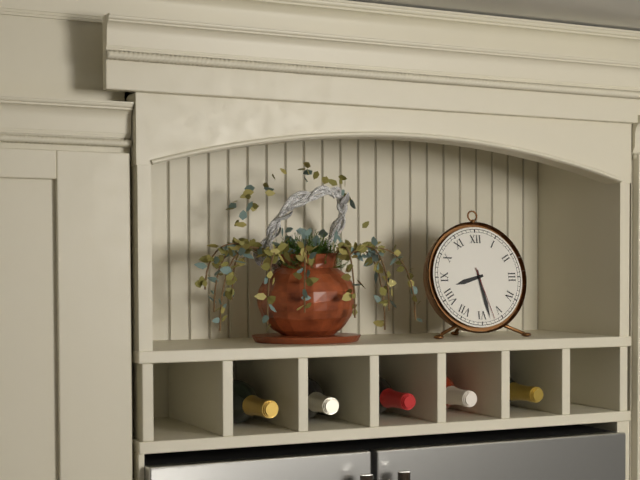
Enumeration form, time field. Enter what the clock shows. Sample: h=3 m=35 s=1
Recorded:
h=8 m=28 s=27
